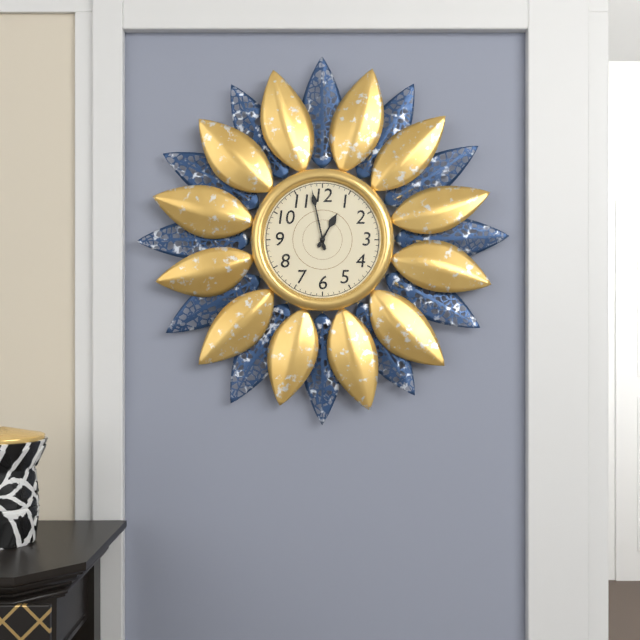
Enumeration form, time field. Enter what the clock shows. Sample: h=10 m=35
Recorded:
h=12 m=58
